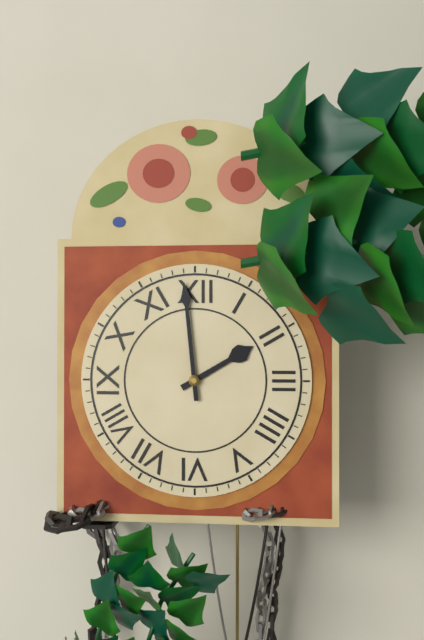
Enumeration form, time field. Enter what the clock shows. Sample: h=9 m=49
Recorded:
h=1 m=59
